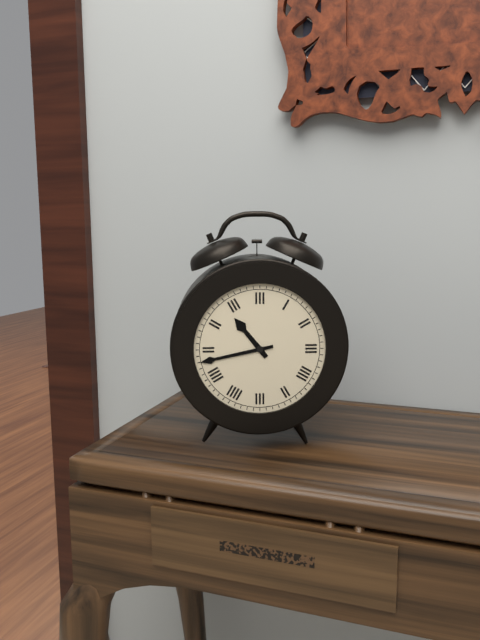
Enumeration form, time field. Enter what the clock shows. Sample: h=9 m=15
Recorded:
h=10 m=43
